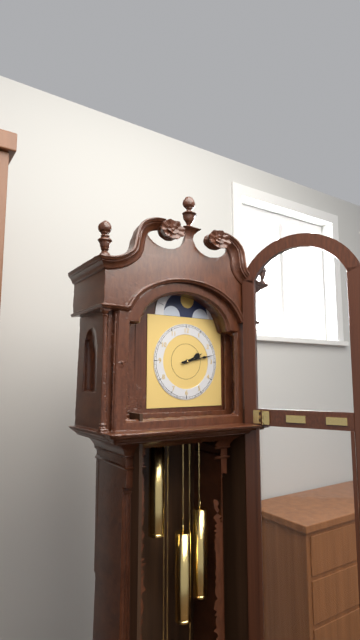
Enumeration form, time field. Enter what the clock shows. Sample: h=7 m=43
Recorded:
h=2 m=13
